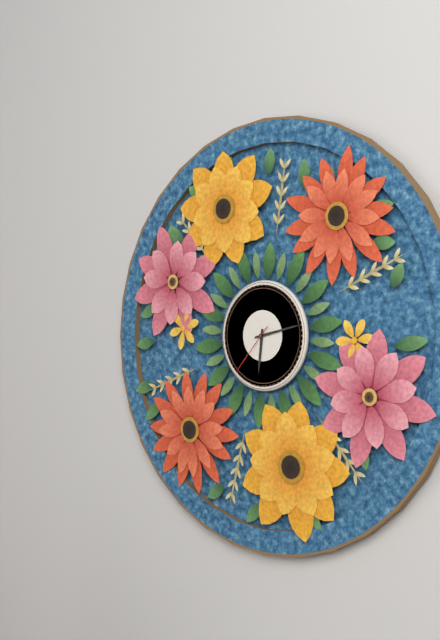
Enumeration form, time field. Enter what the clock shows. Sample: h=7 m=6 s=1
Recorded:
h=6 m=13 s=37
